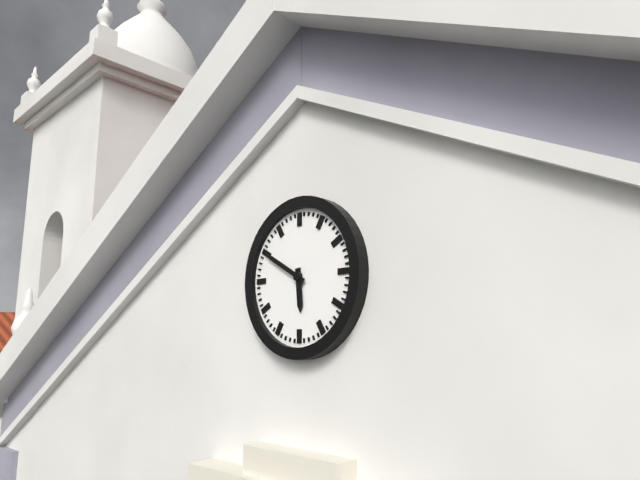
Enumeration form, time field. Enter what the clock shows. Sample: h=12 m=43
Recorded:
h=5 m=50
